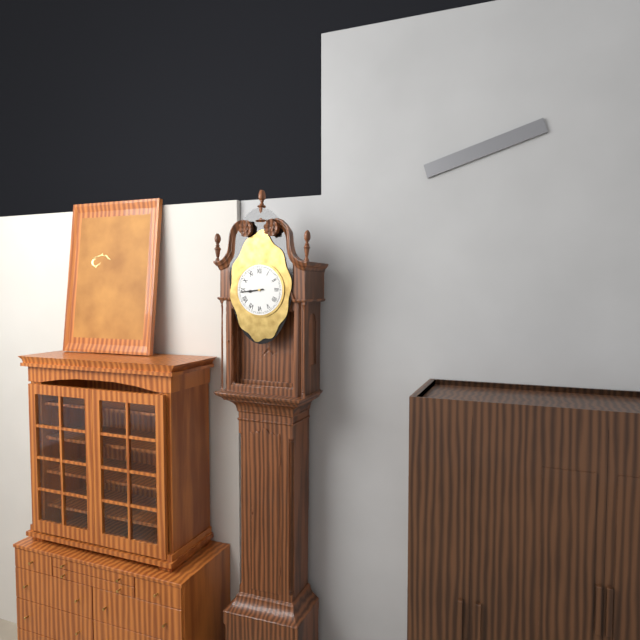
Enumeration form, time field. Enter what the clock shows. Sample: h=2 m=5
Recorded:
h=8 m=44
